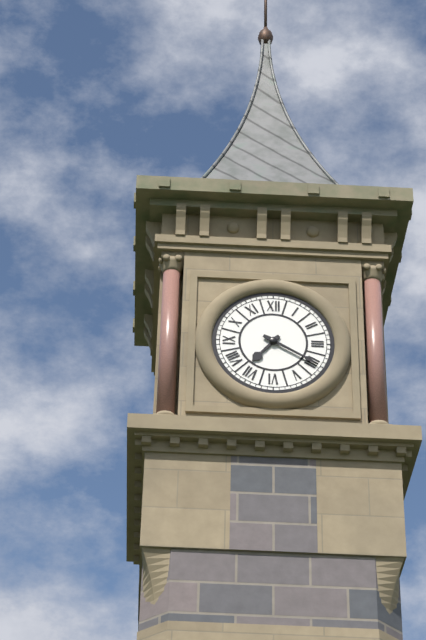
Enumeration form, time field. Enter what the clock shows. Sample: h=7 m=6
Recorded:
h=7 m=20
